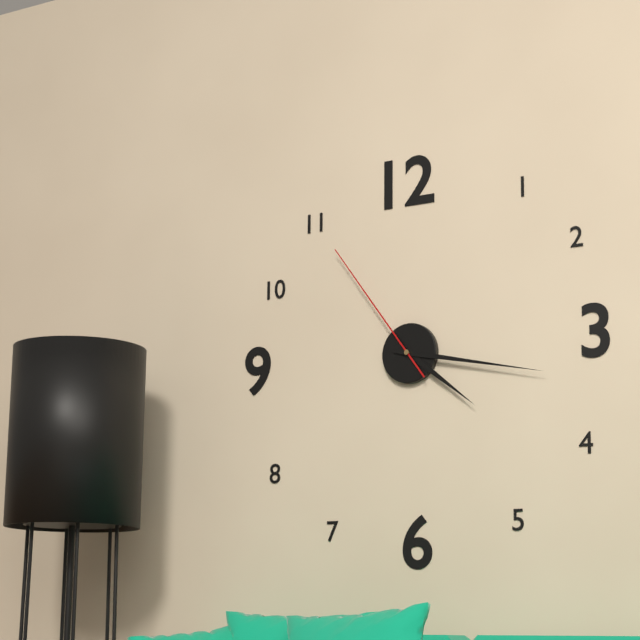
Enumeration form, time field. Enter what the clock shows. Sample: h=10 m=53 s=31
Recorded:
h=4 m=17 s=54
